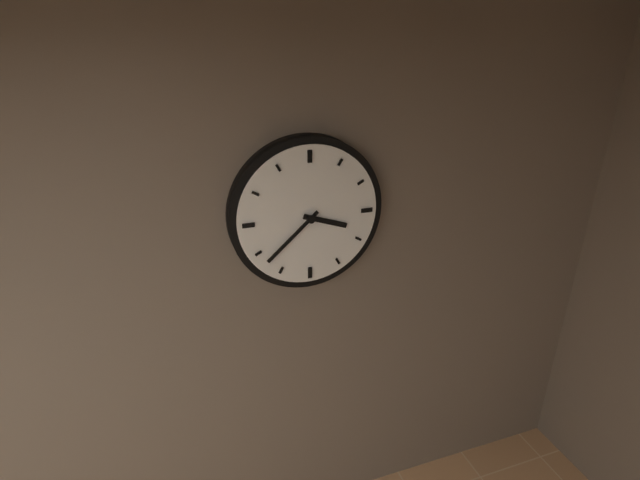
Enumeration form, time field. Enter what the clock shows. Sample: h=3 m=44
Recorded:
h=3 m=38
